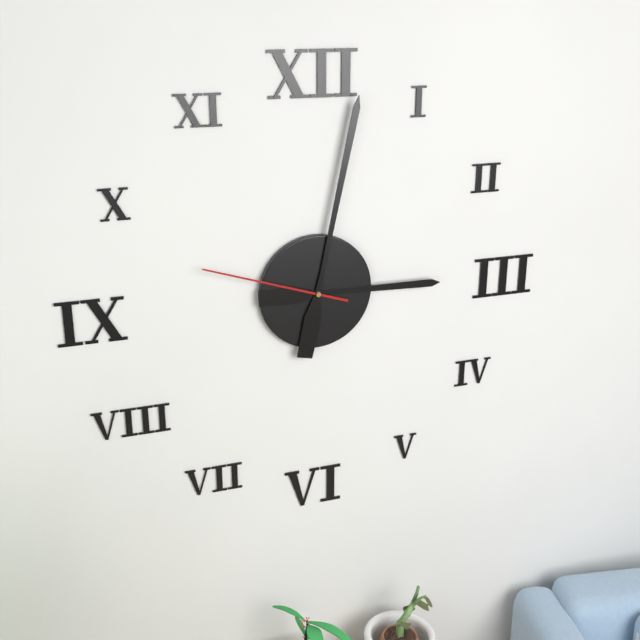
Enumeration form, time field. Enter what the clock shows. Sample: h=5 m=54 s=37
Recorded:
h=3 m=2 s=48
